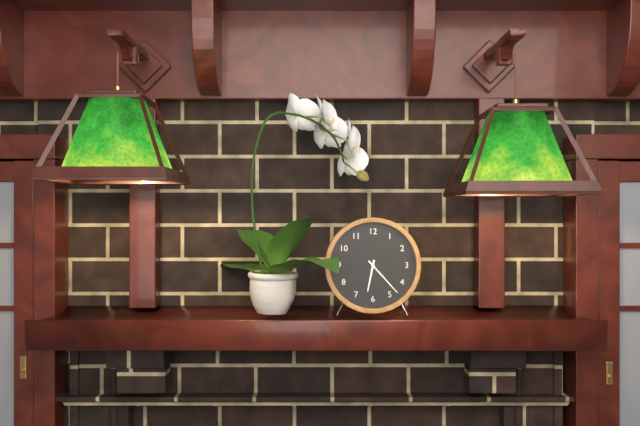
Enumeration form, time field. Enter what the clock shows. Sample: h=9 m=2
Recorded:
h=6 m=23
